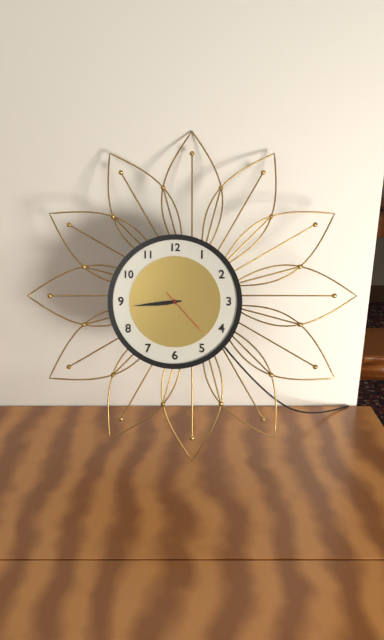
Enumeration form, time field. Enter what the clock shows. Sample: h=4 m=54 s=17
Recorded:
h=8 m=44 s=23
